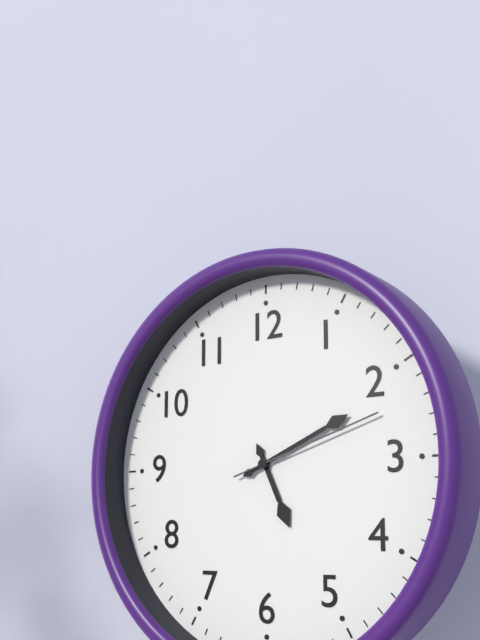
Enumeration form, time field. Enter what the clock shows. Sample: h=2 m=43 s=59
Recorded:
h=5 m=11 s=12
